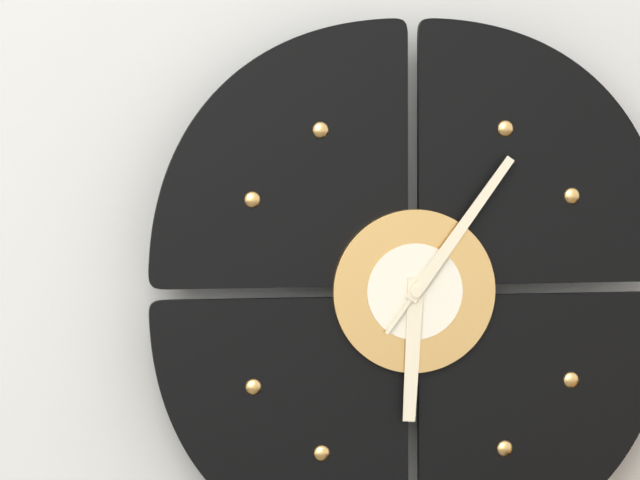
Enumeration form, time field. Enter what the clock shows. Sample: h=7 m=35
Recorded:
h=6 m=6
